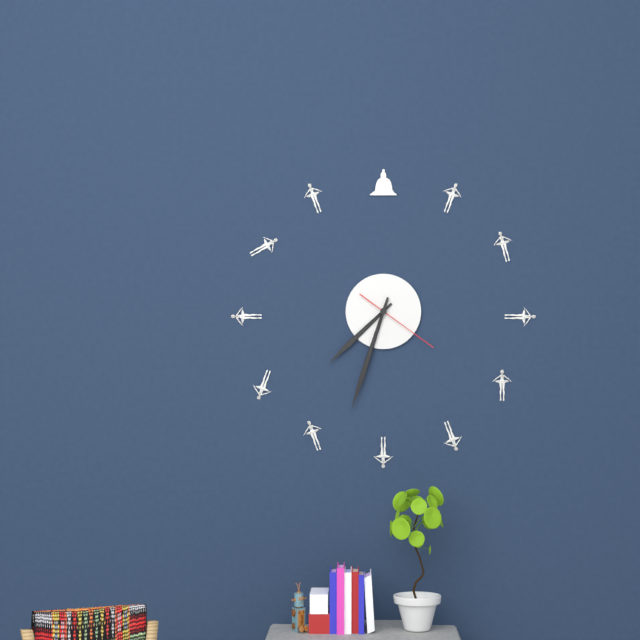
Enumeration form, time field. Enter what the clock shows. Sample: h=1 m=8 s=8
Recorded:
h=7 m=33 s=21
